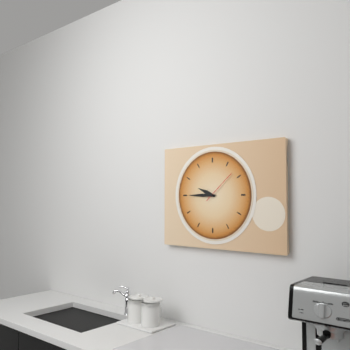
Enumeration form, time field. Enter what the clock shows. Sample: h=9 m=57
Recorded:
h=9 m=45
